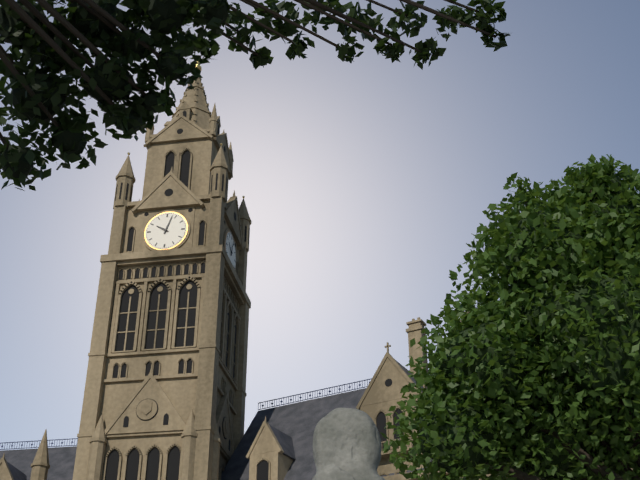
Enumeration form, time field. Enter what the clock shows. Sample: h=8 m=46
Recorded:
h=10 m=3
